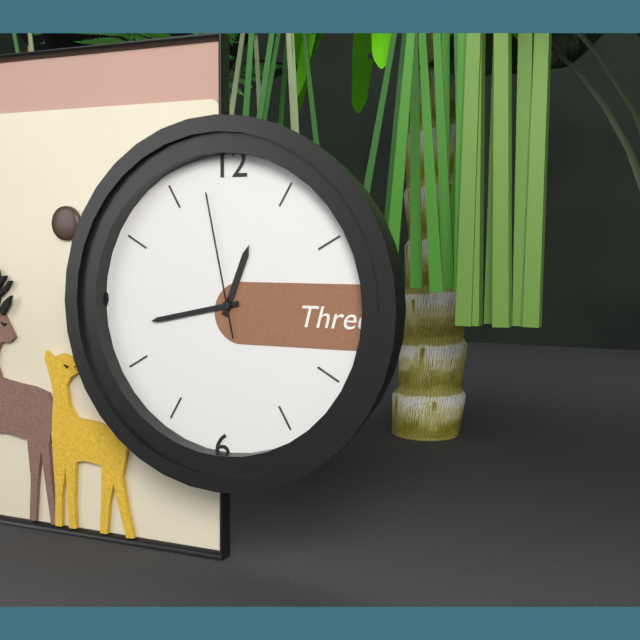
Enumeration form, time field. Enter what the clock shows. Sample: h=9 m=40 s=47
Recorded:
h=12 m=43 s=58
